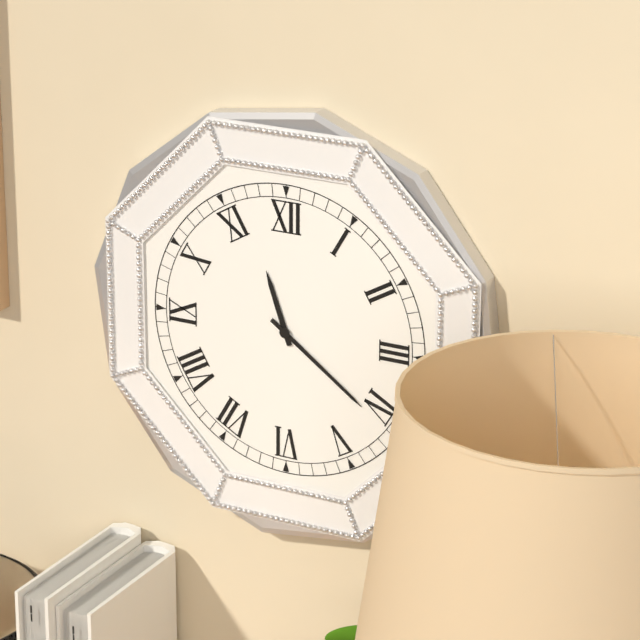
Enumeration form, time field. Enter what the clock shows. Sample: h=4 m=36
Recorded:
h=11 m=21
